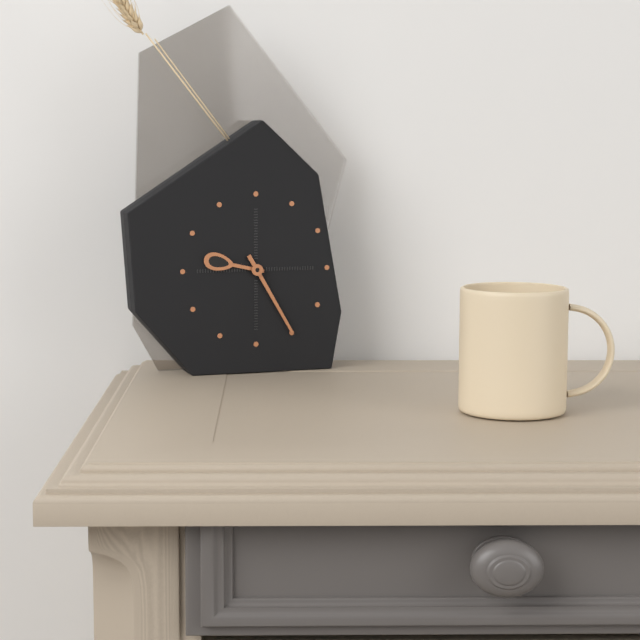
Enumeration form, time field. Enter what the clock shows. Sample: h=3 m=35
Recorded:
h=9 m=25
